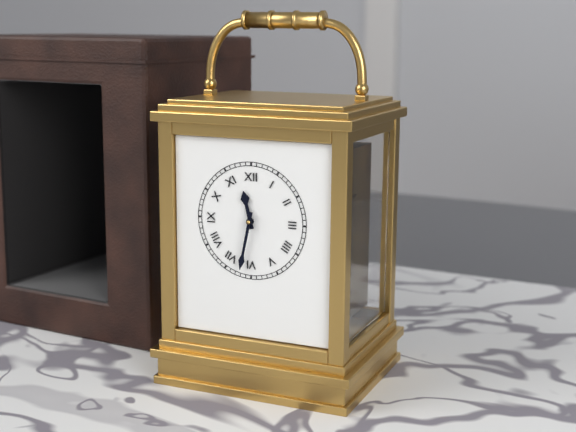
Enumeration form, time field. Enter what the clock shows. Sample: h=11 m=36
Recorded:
h=11 m=32
